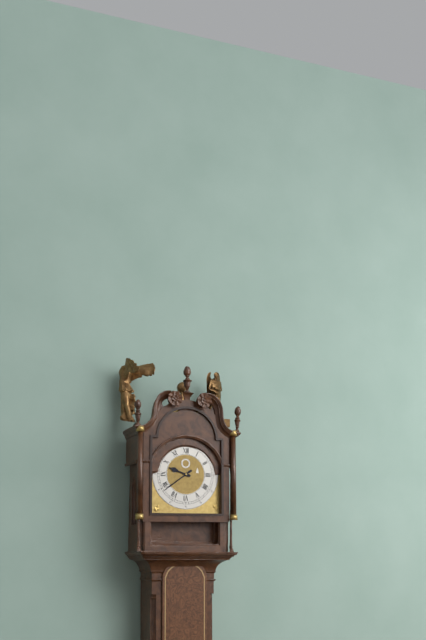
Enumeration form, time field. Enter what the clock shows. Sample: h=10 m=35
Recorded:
h=9 m=39
